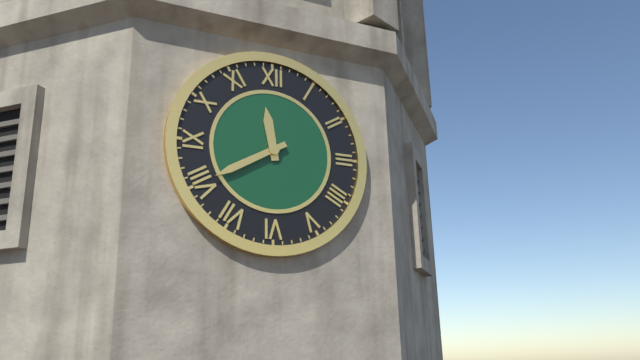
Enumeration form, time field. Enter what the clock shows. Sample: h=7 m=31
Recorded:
h=11 m=40
